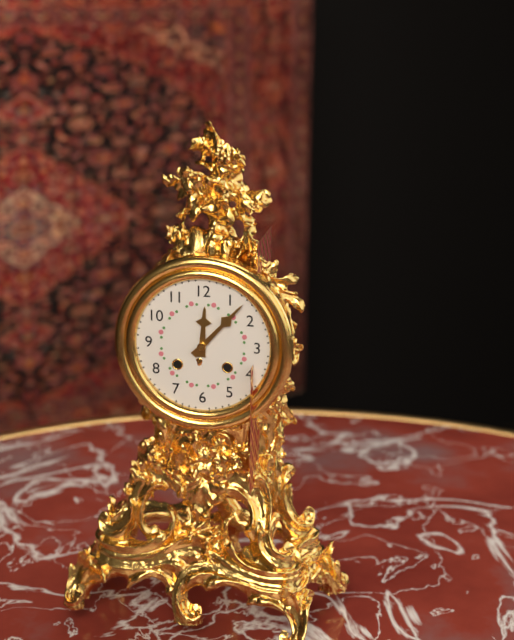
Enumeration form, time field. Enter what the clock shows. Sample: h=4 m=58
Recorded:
h=12 m=7
